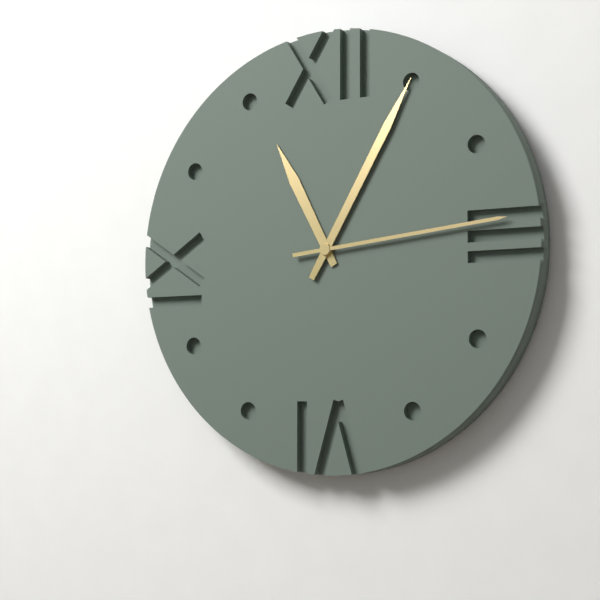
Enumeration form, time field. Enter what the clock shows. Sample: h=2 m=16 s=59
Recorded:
h=11 m=5 s=14
